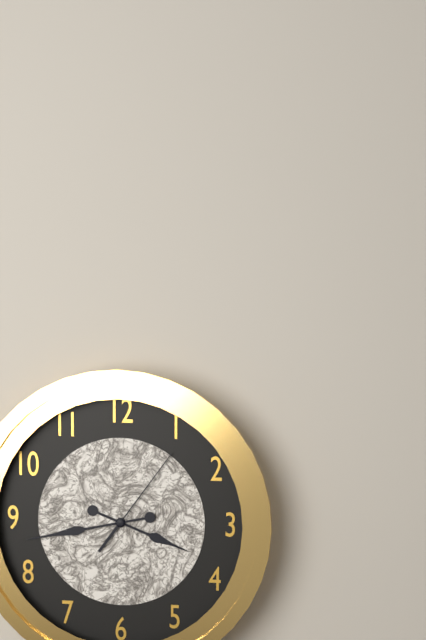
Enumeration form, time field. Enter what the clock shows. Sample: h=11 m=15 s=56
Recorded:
h=3 m=43 s=6
